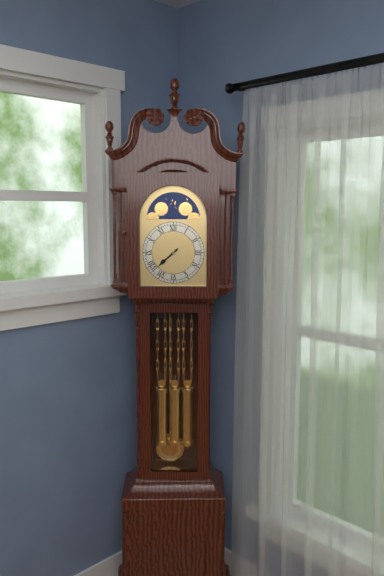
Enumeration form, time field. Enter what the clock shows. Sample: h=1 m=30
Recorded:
h=7 m=38
